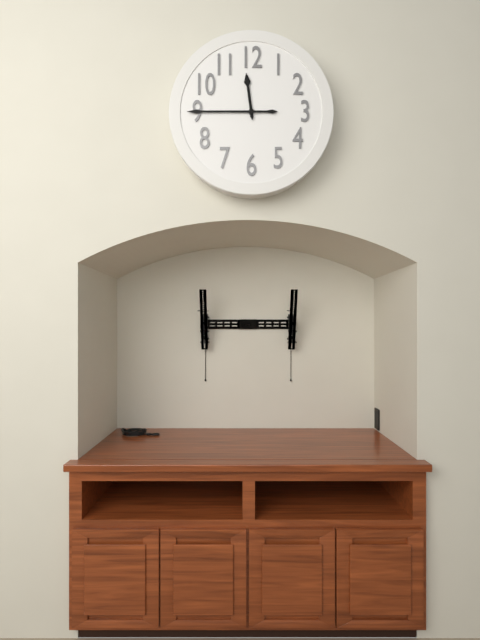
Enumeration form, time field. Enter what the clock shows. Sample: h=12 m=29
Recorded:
h=11 m=45
